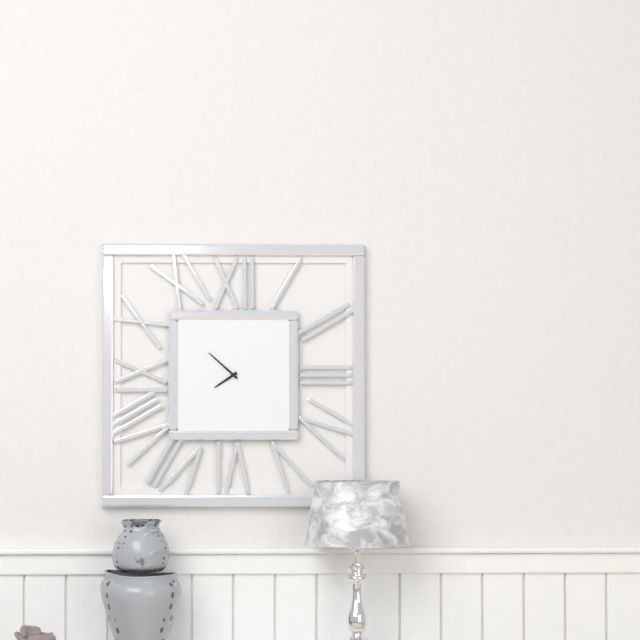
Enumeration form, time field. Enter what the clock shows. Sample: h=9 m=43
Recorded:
h=7 m=52
